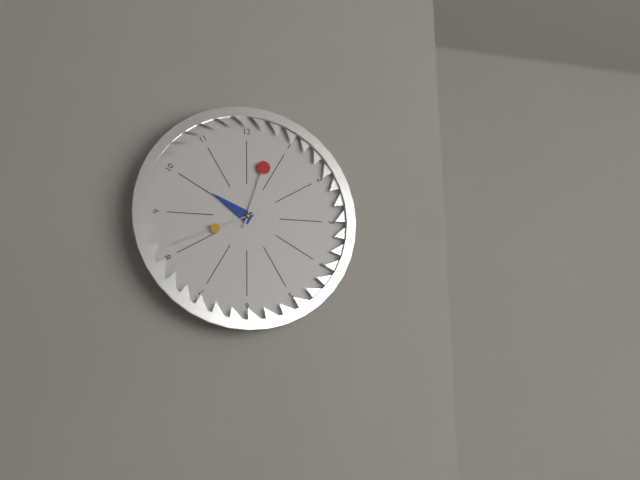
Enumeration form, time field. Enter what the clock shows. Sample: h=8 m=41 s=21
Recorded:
h=10 m=3 s=41
